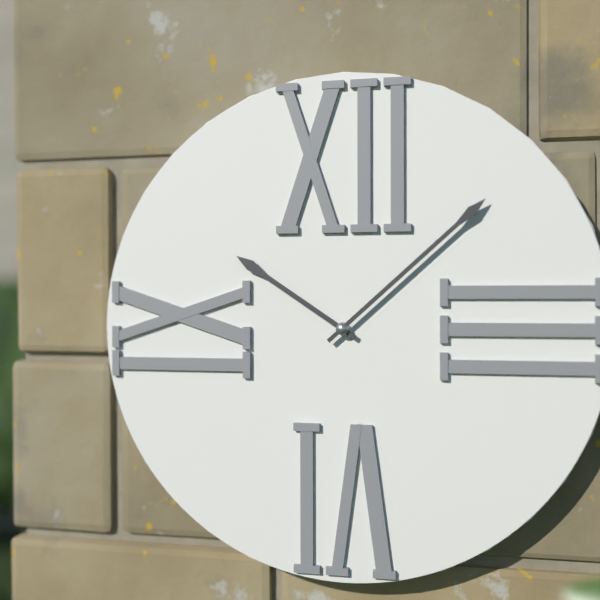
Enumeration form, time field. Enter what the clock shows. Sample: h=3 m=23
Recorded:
h=10 m=8
